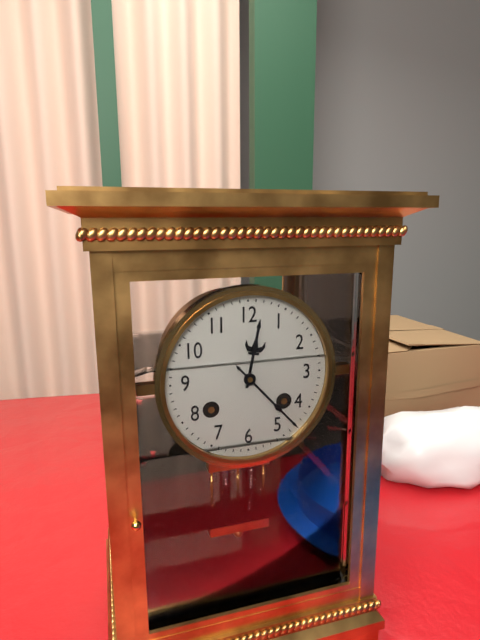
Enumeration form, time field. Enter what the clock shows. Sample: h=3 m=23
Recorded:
h=12 m=23
